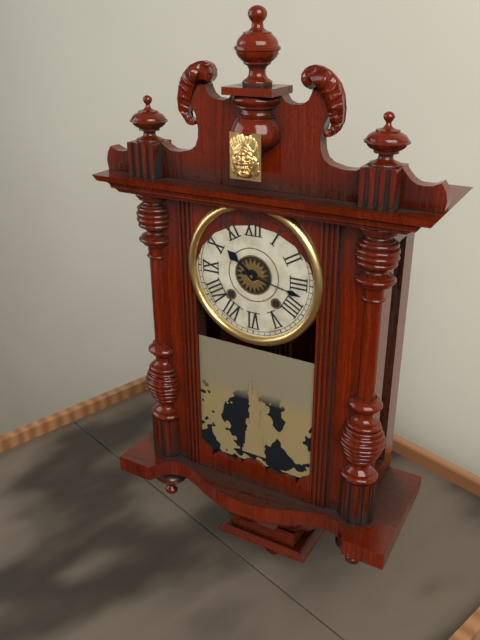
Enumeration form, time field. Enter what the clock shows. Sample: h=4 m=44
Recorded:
h=10 m=17
